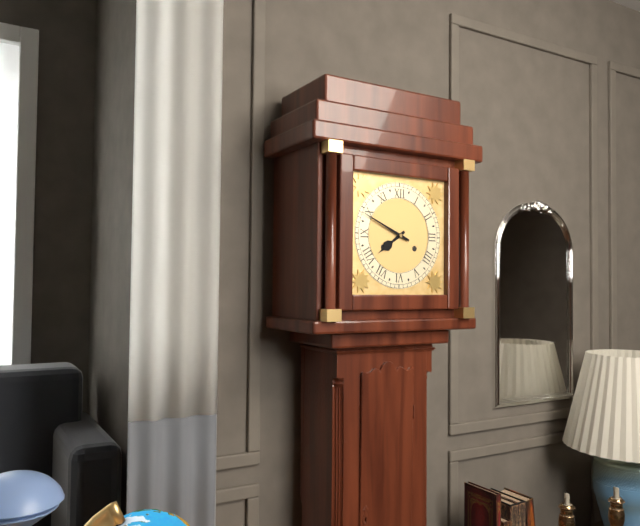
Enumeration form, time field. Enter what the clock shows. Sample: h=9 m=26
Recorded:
h=7 m=49
